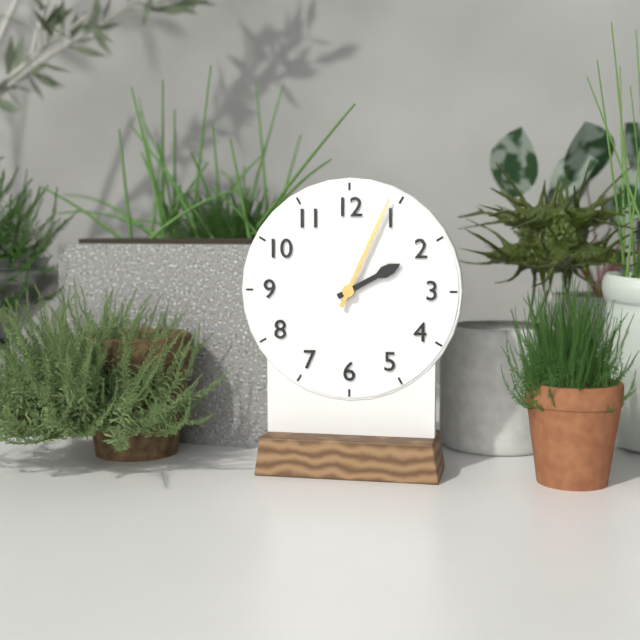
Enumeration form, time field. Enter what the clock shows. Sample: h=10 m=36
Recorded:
h=2 m=4
